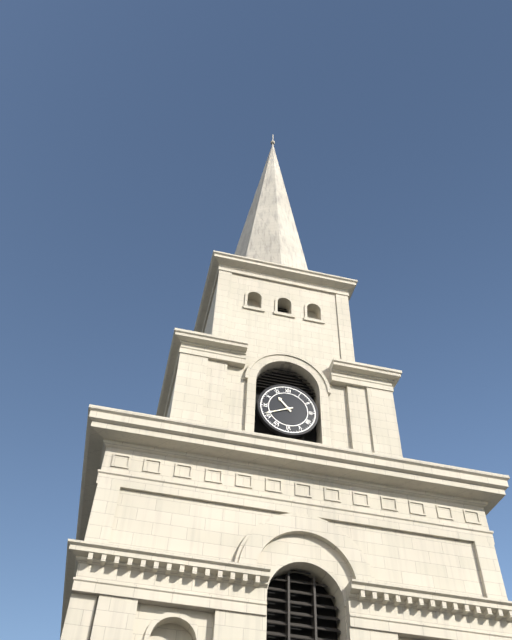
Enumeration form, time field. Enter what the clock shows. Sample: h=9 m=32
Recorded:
h=10 m=41
